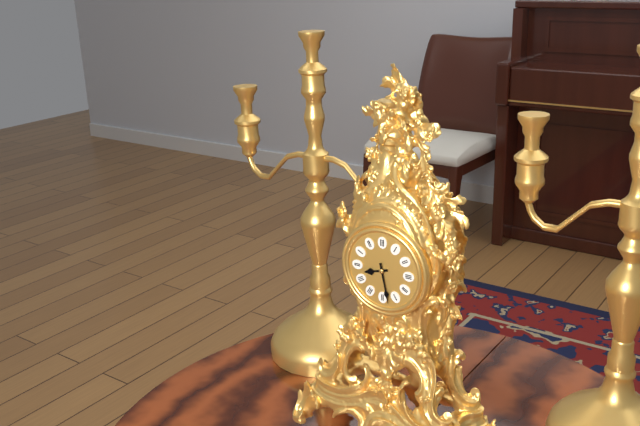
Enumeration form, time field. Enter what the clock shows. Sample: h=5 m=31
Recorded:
h=8 m=28
